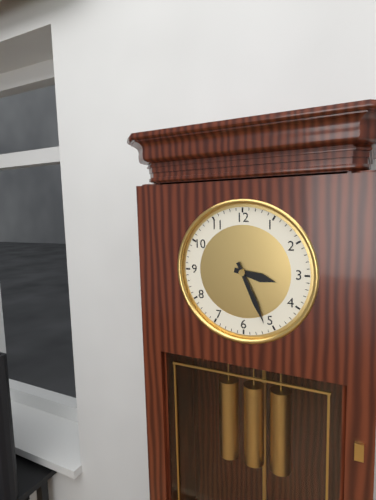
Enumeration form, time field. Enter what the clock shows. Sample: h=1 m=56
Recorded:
h=3 m=26
